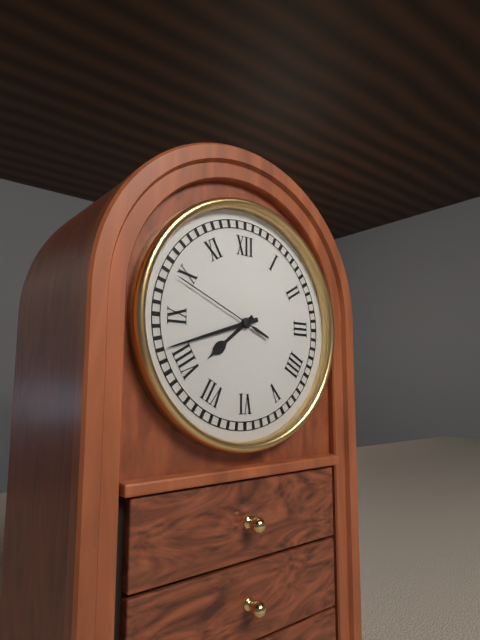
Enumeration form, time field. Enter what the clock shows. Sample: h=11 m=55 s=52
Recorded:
h=7 m=42 s=49
